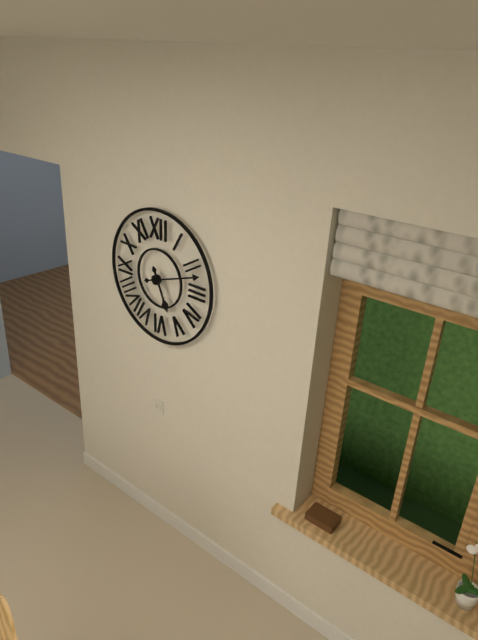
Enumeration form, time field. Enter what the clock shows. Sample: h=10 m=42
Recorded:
h=5 m=12
